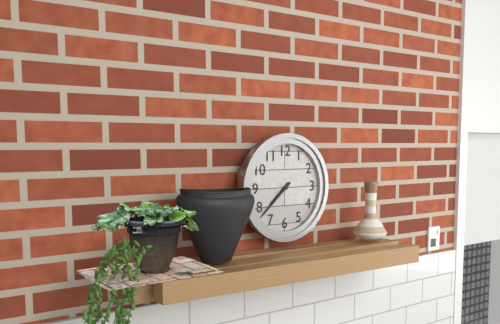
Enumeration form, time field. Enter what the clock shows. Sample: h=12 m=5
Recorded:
h=7 m=38
